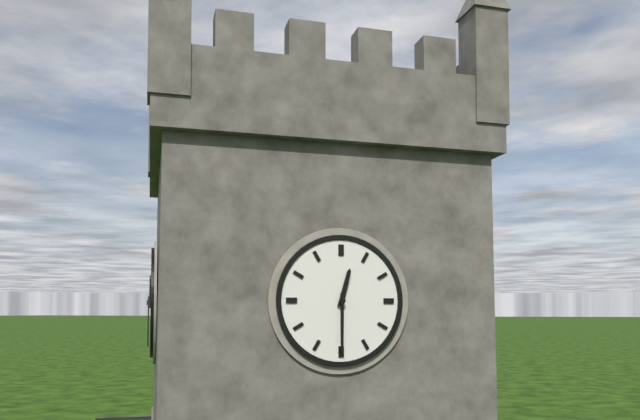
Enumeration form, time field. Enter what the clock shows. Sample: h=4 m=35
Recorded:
h=12 m=30
